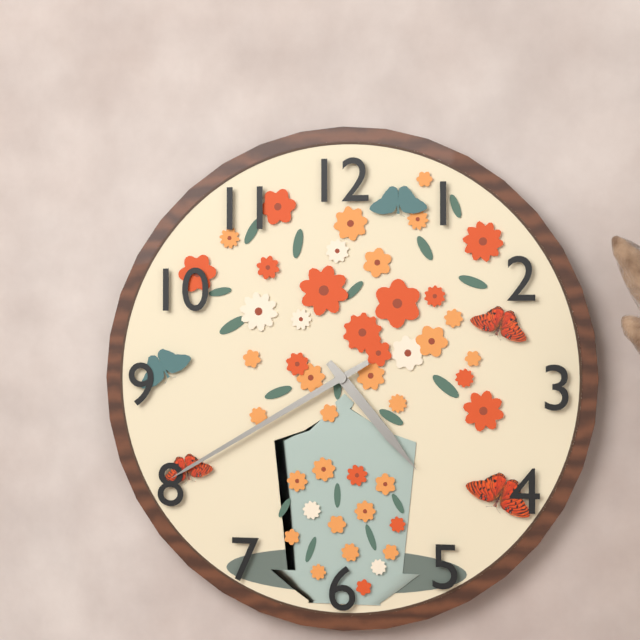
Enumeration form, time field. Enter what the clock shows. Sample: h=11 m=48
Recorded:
h=4 m=40
